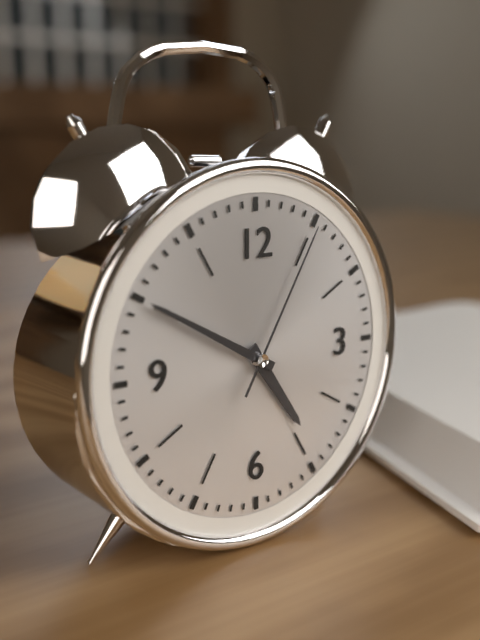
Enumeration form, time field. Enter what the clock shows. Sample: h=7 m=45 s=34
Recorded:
h=4 m=50 s=5
